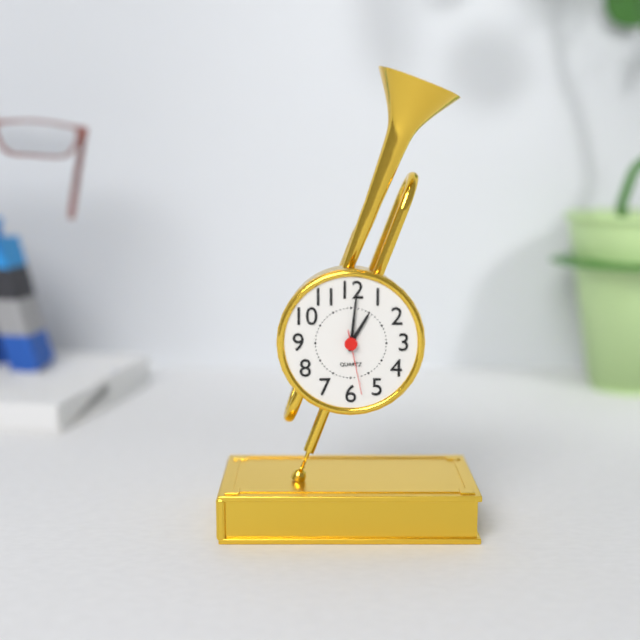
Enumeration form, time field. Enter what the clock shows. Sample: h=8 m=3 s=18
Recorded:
h=1 m=1 s=28
